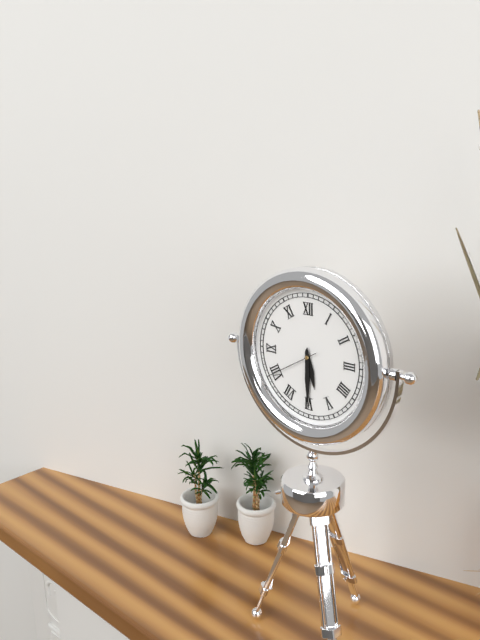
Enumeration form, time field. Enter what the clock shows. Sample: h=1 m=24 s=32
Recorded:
h=5 m=30 s=40
